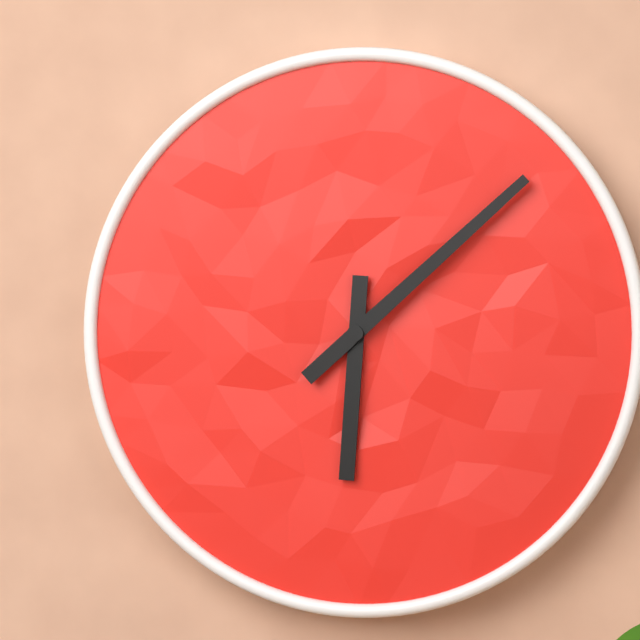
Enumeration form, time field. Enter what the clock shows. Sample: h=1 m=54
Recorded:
h=6 m=8
